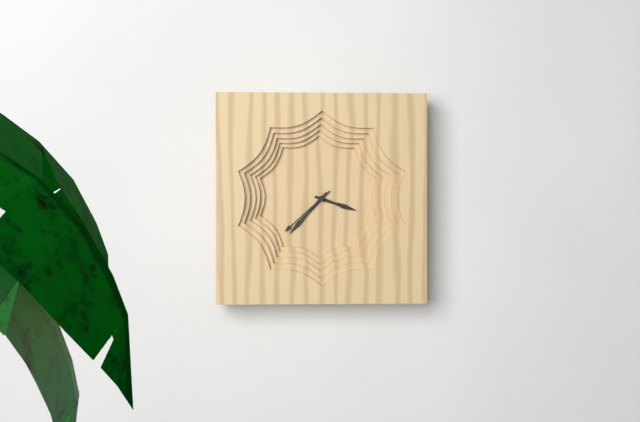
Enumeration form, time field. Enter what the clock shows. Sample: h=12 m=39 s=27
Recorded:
h=3 m=37 s=38
